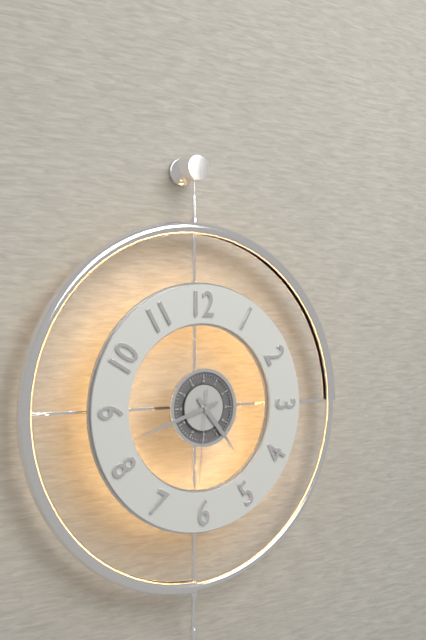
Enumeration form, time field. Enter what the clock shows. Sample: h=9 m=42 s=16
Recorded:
h=4 m=42 s=31
